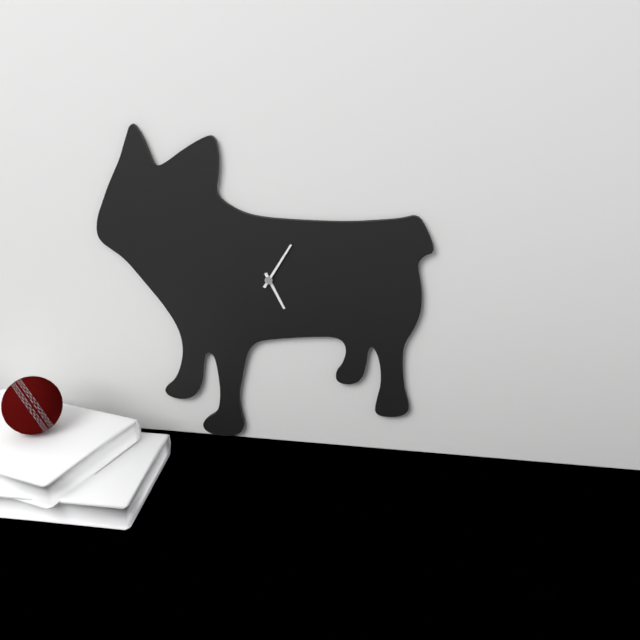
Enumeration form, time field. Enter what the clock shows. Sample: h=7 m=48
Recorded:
h=5 m=5
